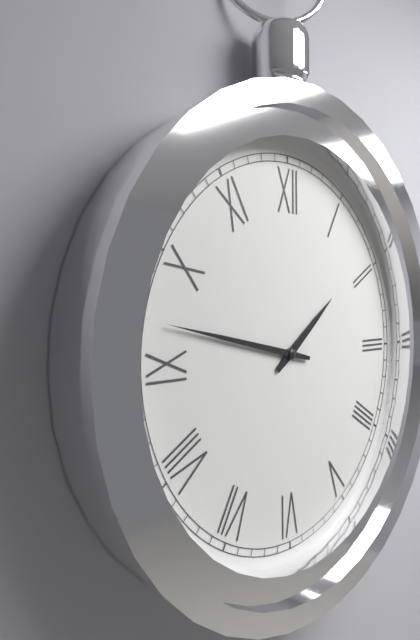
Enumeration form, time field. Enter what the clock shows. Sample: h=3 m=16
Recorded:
h=1 m=47
